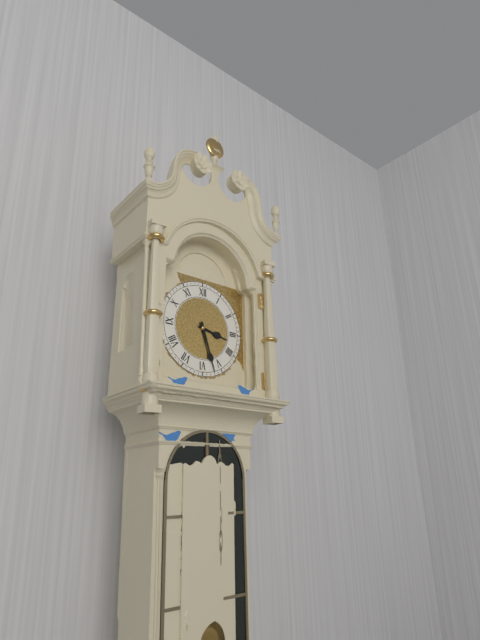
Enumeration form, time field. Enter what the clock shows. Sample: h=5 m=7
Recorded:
h=3 m=27
